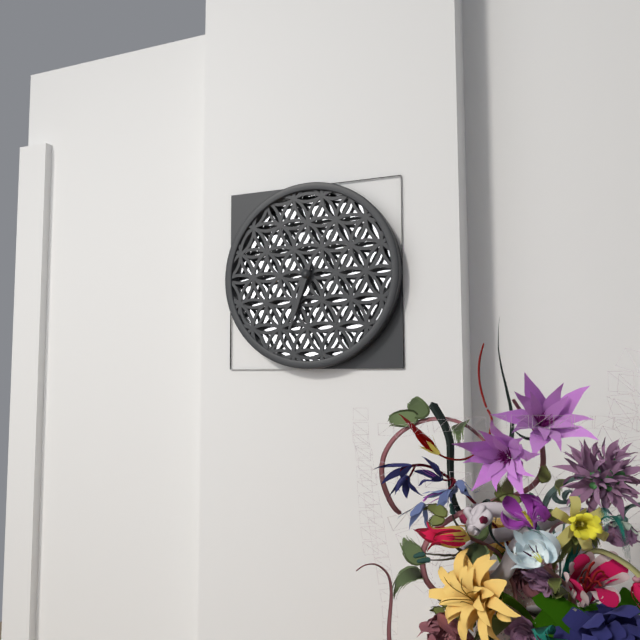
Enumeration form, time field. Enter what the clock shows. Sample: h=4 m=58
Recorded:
h=6 m=33
